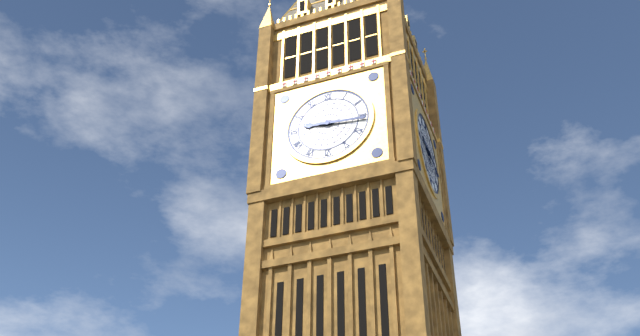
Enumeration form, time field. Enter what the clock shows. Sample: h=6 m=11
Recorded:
h=9 m=16
